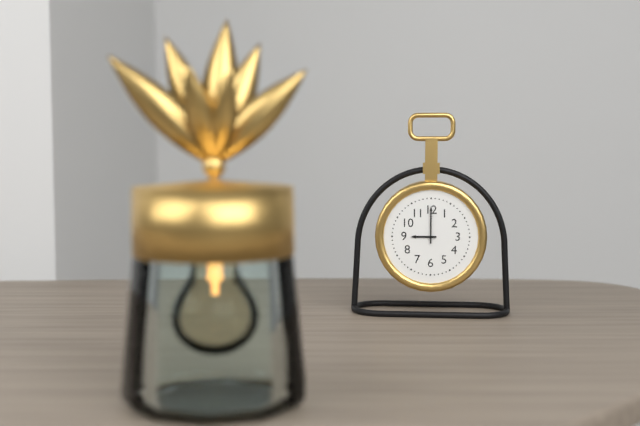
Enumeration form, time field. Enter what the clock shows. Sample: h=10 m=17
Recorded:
h=9 m=0
